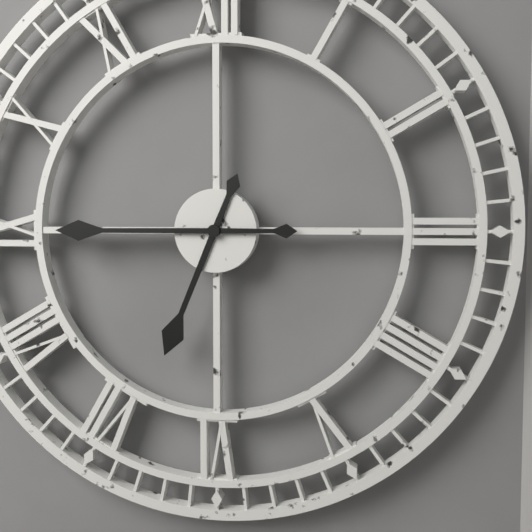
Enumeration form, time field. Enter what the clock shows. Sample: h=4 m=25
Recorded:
h=6 m=45
